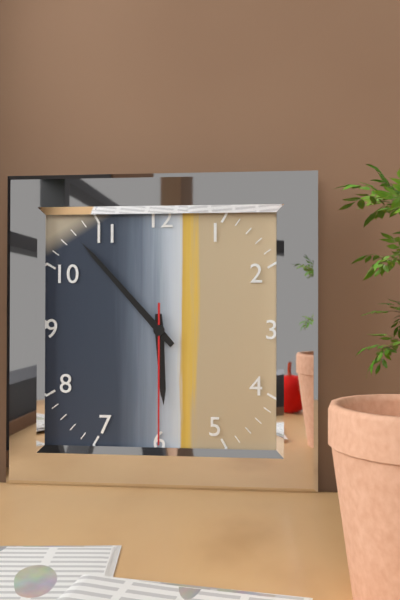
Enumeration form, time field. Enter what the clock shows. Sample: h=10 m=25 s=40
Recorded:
h=5 m=53 s=30
